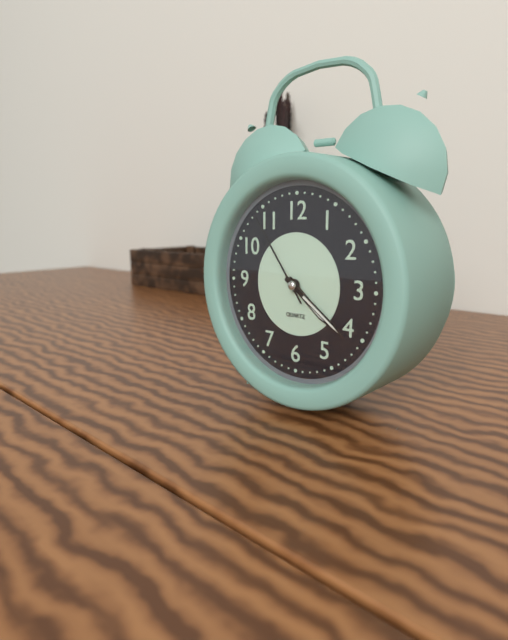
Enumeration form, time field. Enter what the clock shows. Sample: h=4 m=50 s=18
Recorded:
h=4 m=21 s=54
